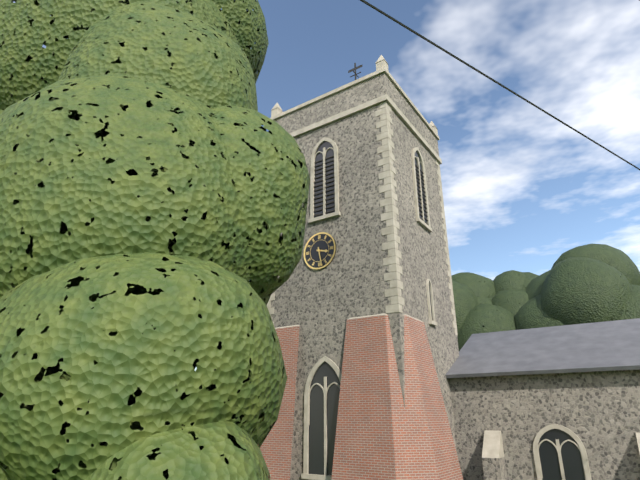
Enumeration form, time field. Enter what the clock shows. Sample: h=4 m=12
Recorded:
h=3 m=28
